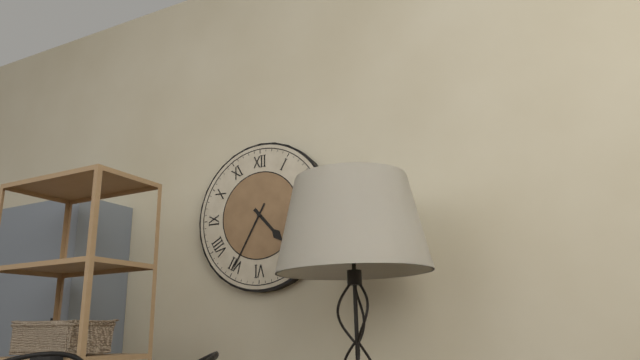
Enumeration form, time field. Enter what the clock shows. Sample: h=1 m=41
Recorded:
h=4 m=35
